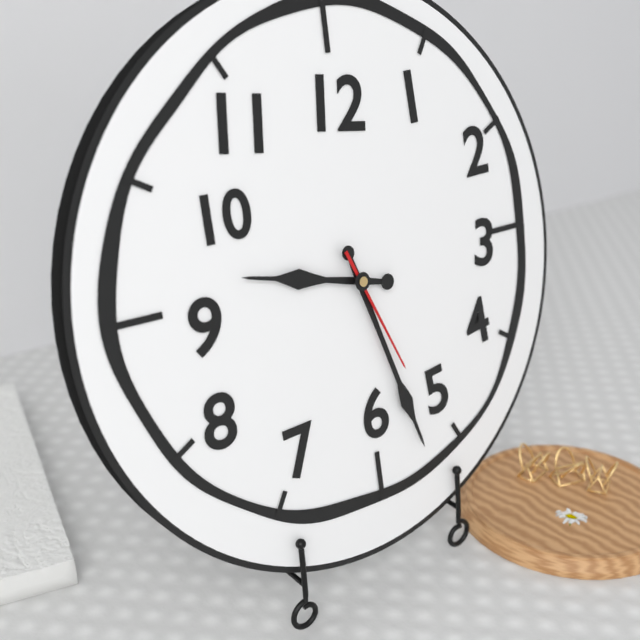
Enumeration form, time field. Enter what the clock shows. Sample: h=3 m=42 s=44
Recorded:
h=9 m=27 s=26
